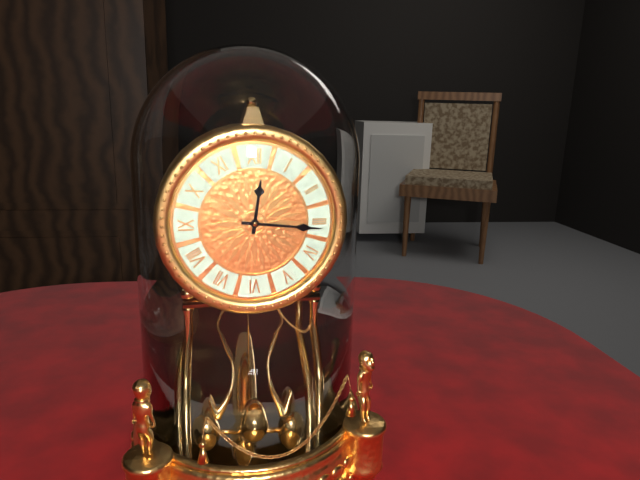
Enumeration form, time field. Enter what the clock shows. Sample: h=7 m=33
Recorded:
h=12 m=16
